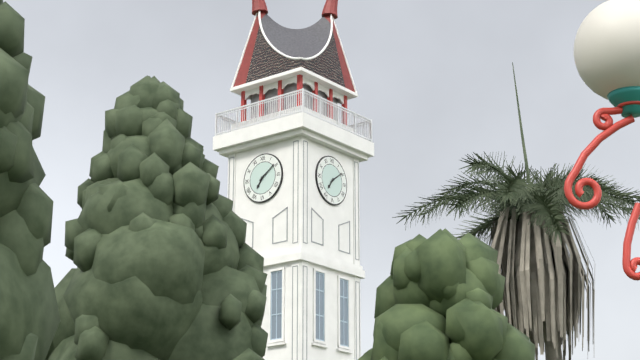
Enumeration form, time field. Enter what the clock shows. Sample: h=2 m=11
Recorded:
h=7 m=9
